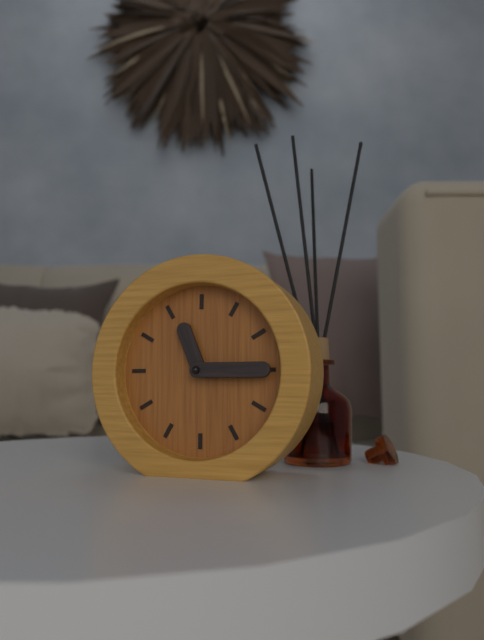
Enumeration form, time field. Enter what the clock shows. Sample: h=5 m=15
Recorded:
h=11 m=15
